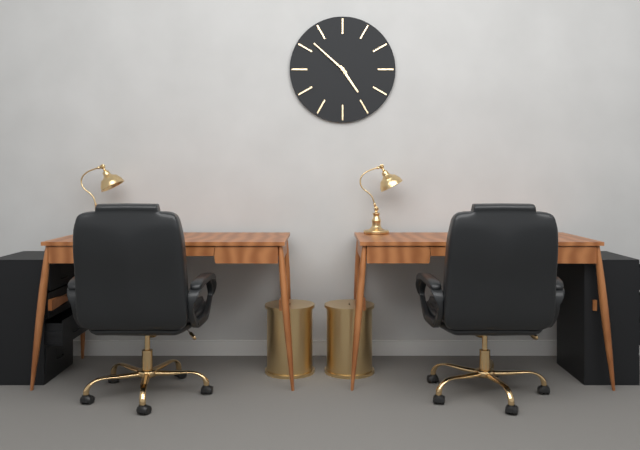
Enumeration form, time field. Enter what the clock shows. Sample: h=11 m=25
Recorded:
h=4 m=52
